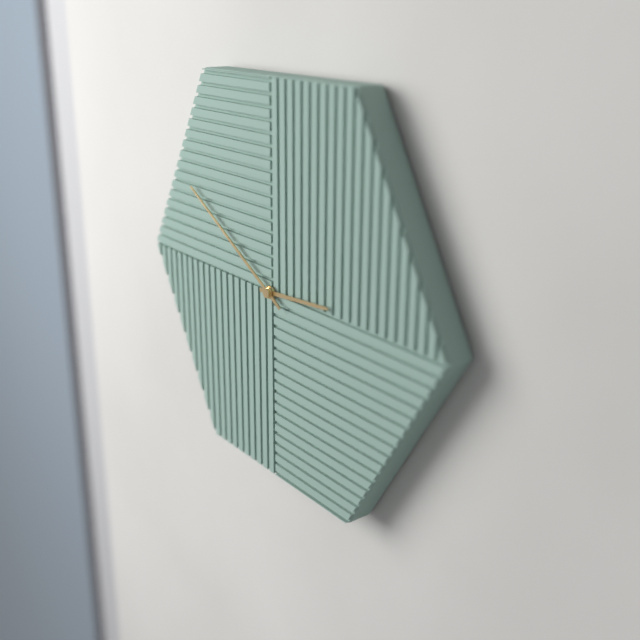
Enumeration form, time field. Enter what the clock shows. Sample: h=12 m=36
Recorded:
h=2 m=50
